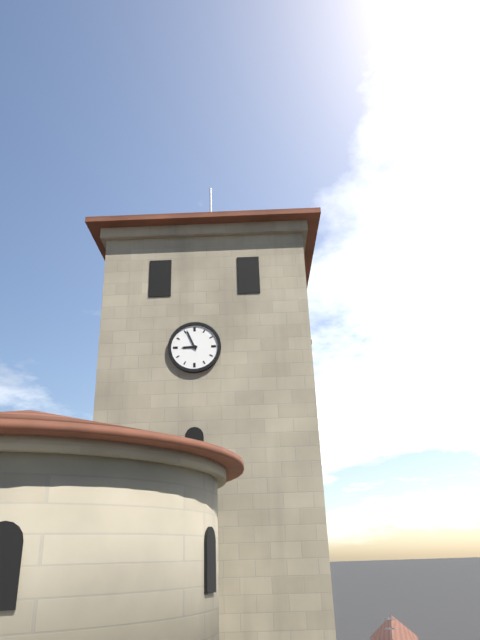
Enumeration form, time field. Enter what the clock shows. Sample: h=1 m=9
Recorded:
h=8 m=56
